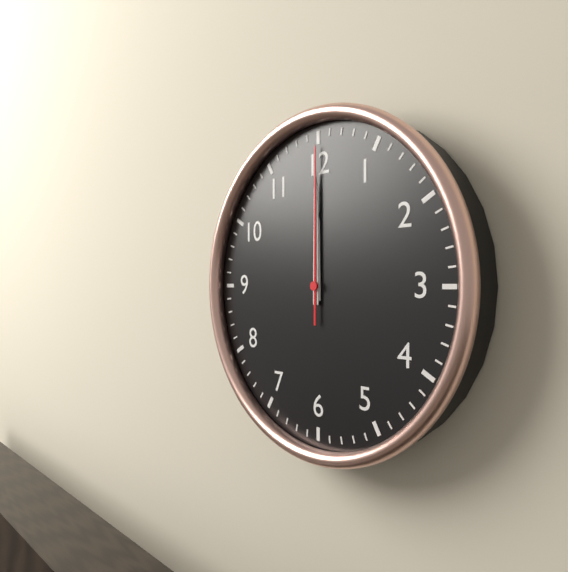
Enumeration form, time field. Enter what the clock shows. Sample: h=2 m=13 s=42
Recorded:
h=12 m=0 s=0
